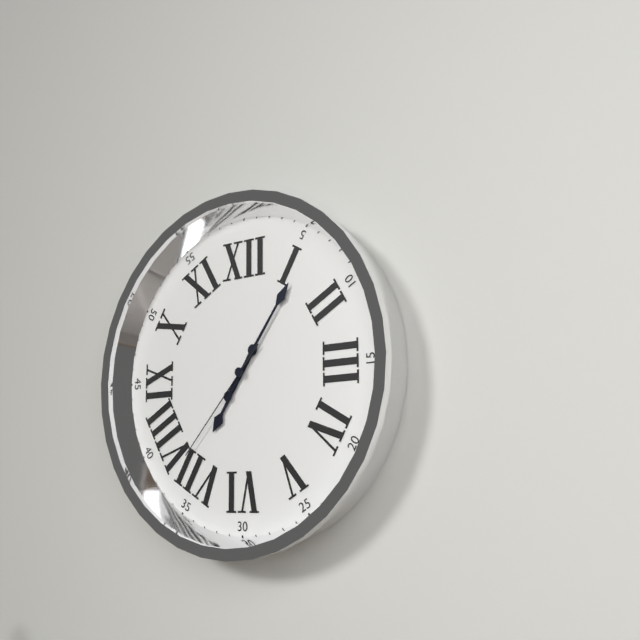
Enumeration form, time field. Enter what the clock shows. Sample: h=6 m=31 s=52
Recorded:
h=7 m=6 s=37
